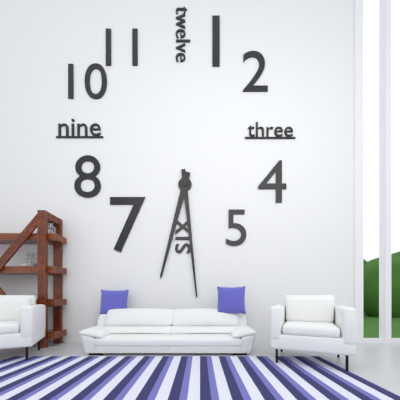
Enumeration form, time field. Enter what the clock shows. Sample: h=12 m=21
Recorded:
h=6 m=29
